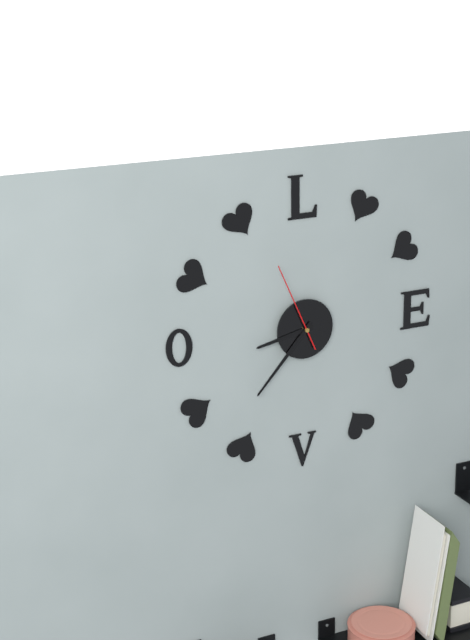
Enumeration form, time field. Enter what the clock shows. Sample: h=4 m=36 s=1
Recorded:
h=8 m=37 s=56
